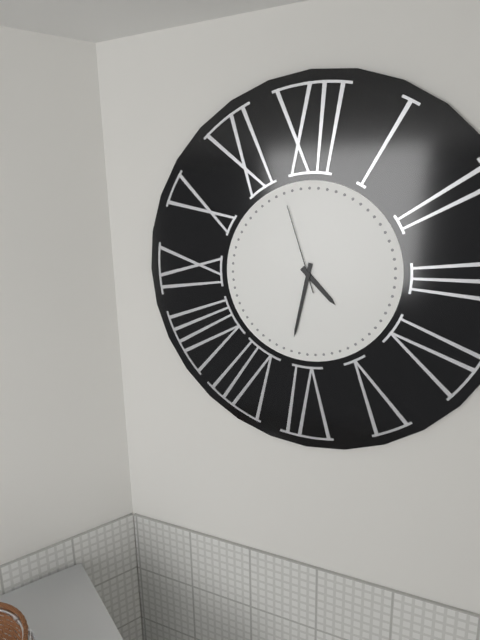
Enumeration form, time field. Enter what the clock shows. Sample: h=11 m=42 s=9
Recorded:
h=4 m=32 s=57
